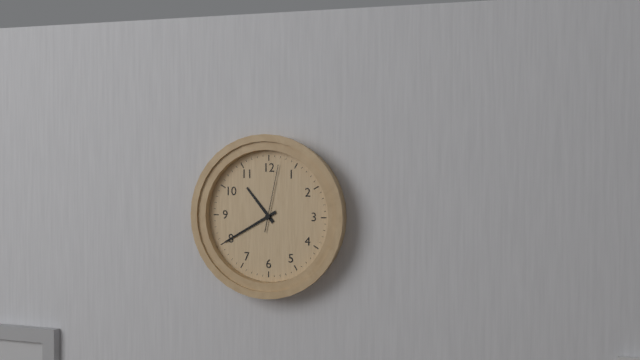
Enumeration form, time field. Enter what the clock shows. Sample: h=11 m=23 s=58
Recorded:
h=10 m=40 s=2
